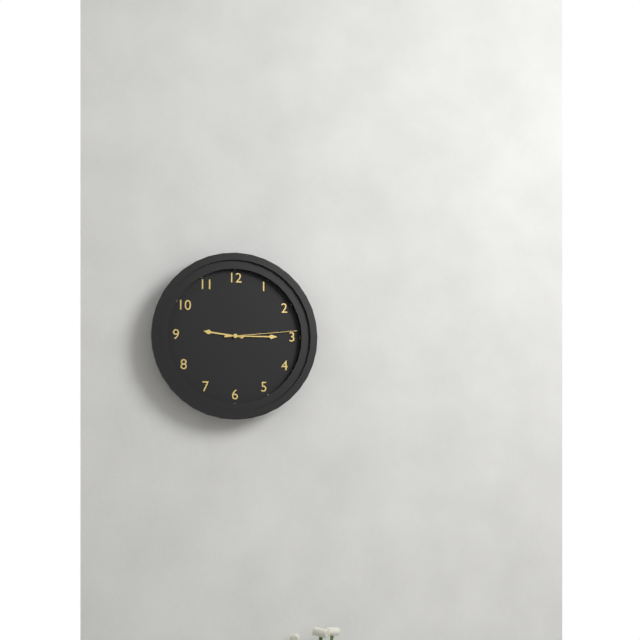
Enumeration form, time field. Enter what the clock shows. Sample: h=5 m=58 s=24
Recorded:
h=9 m=15 s=14
